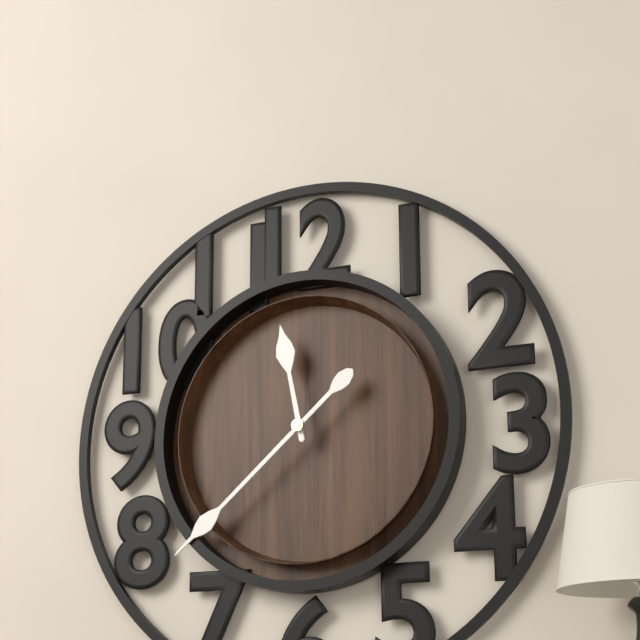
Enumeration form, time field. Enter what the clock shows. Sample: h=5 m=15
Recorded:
h=11 m=38
